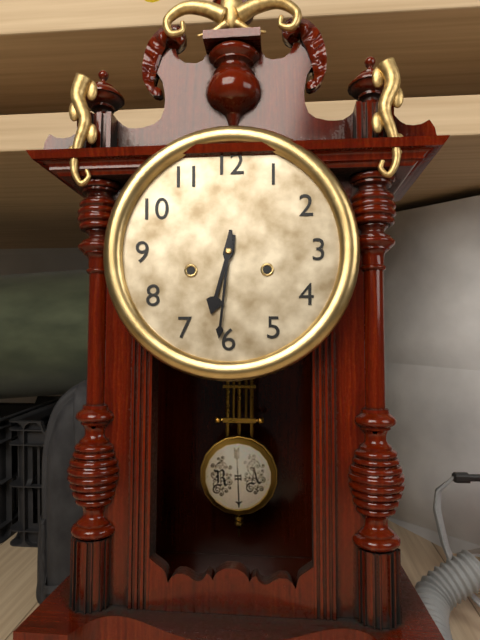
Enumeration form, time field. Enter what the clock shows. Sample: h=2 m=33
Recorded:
h=6 m=31
